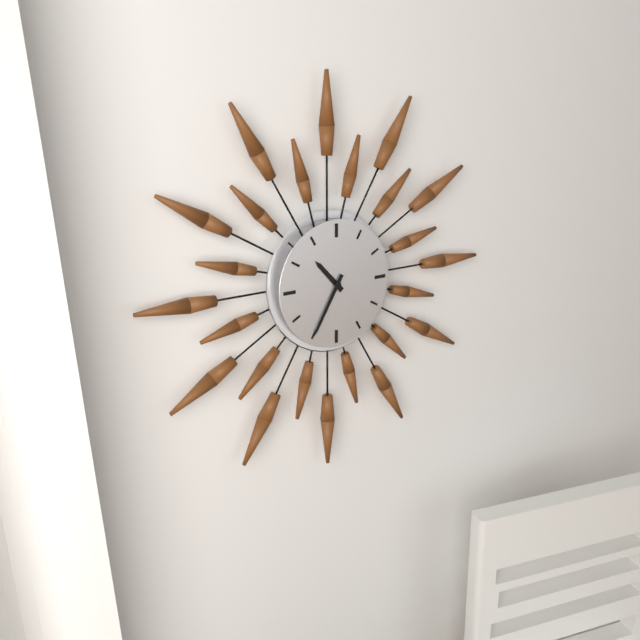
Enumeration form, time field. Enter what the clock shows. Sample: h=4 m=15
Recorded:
h=10 m=35
